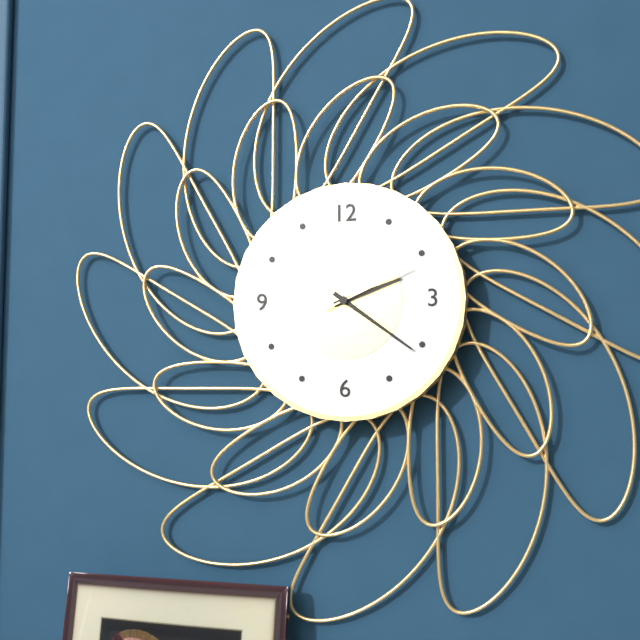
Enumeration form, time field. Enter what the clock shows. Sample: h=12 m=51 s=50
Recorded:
h=2 m=21 s=11
